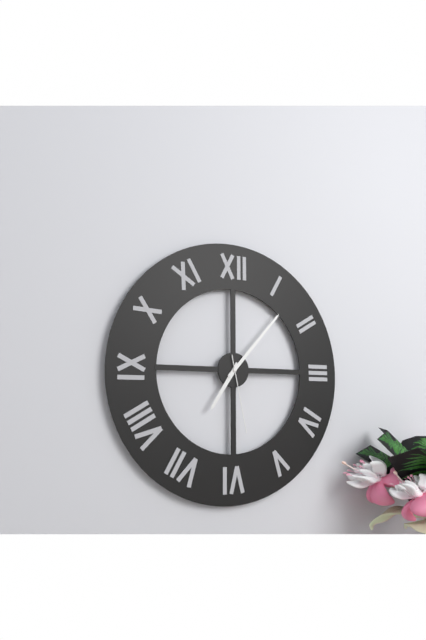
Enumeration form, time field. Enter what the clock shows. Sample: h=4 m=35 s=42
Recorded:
h=7 m=7 s=28
